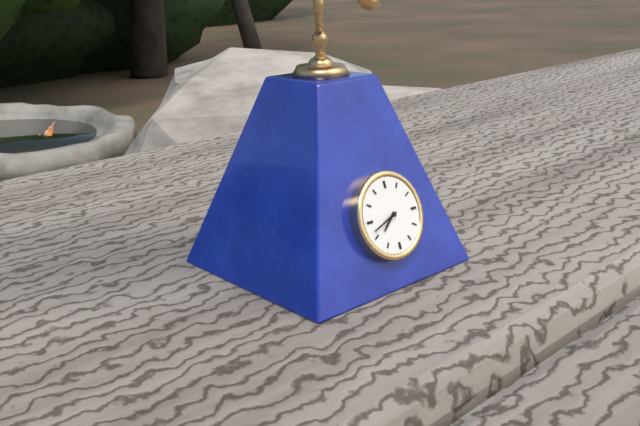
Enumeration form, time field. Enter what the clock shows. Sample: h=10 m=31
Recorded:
h=7 m=42
